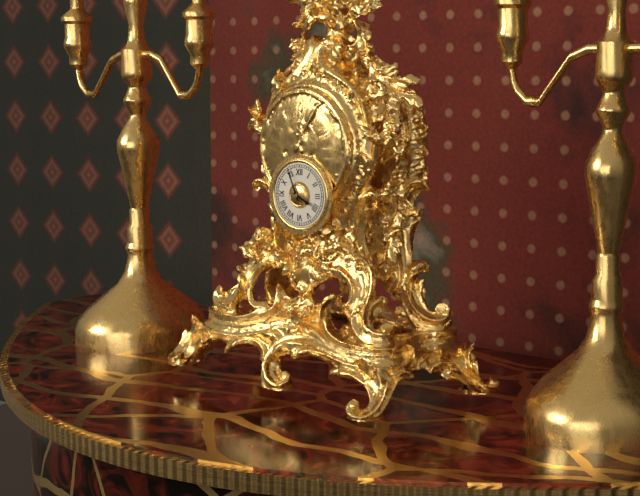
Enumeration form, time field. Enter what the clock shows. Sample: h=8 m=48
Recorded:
h=3 m=56
